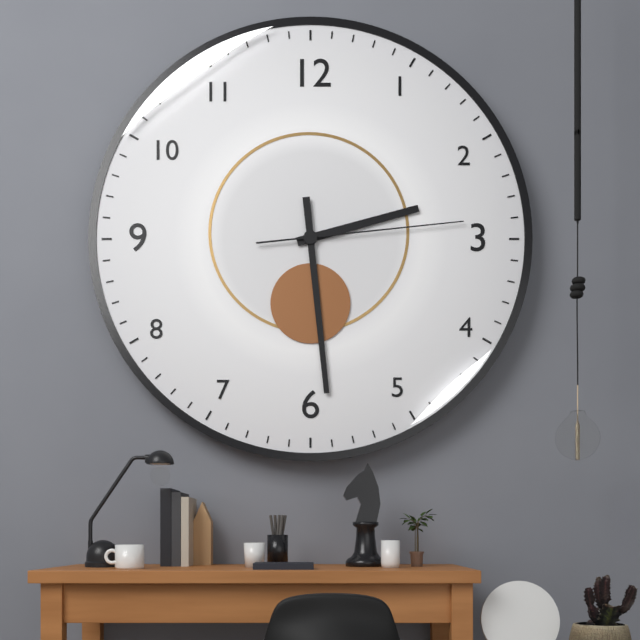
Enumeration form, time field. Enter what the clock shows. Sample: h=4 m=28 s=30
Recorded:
h=2 m=29 s=14
